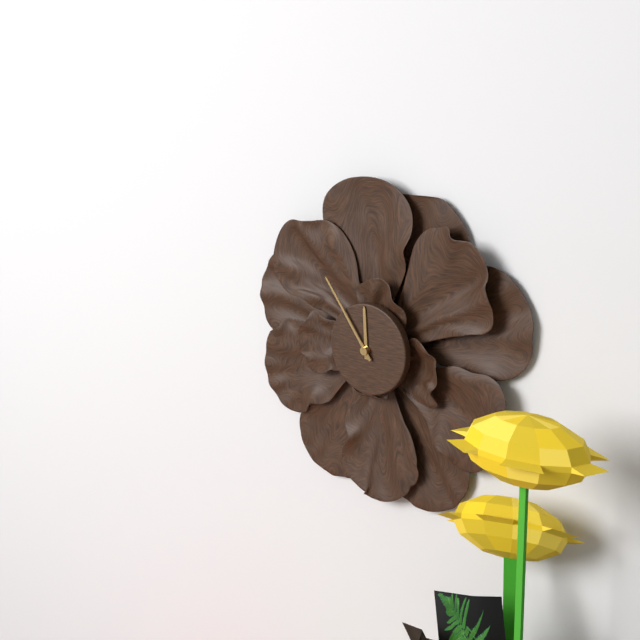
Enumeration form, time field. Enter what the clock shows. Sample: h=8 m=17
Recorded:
h=11 m=54
